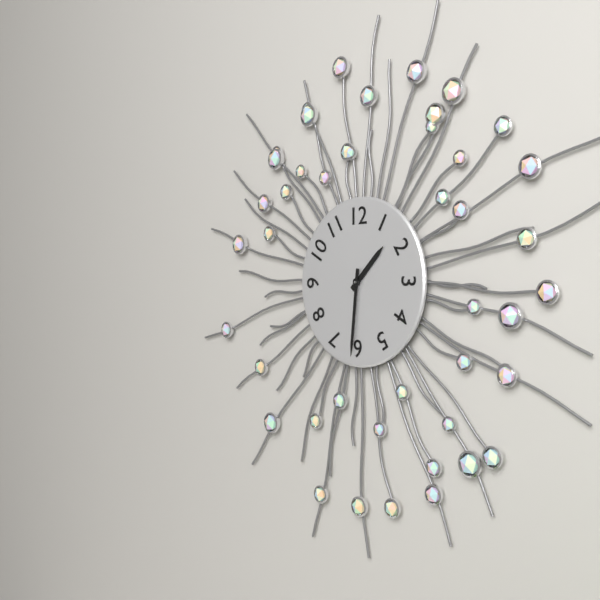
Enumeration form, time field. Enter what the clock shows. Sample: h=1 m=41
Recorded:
h=1 m=31
